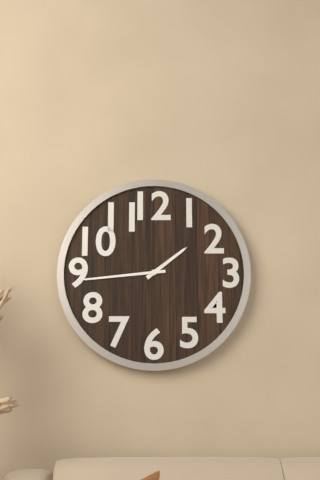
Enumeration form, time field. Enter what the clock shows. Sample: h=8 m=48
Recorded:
h=1 m=44
